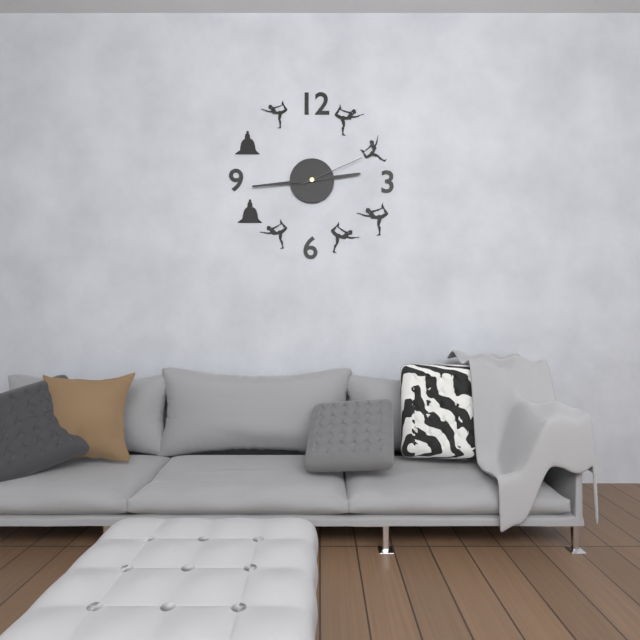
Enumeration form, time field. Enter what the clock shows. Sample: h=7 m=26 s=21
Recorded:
h=2 m=44 s=11
